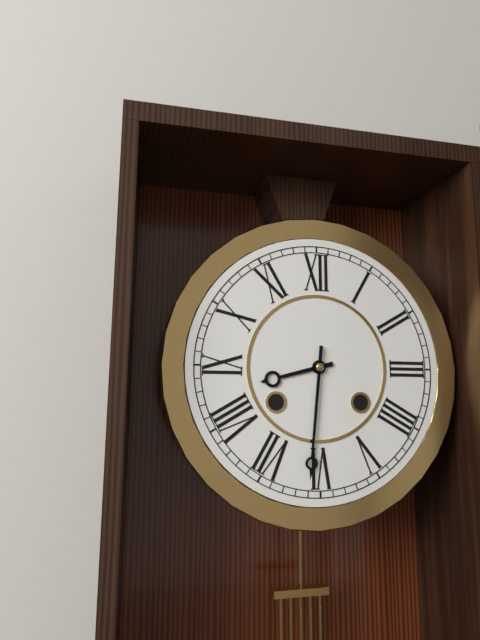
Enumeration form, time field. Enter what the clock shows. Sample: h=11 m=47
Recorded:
h=8 m=31
